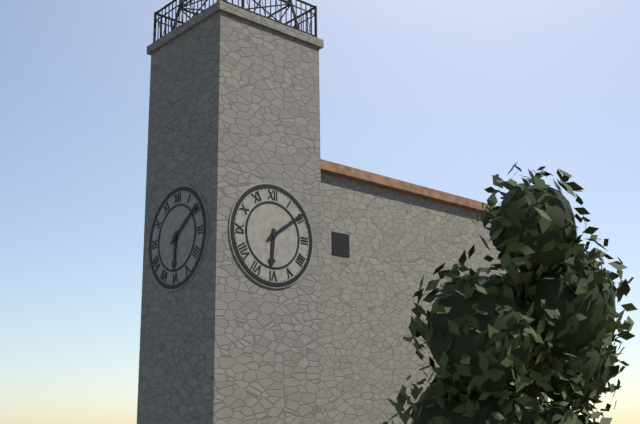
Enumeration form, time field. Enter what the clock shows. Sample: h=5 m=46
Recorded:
h=6 m=9
